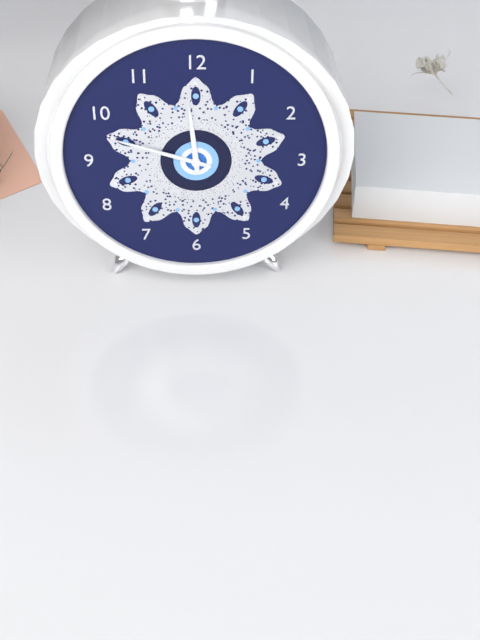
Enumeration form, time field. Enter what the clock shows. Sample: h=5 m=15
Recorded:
h=11 m=48
